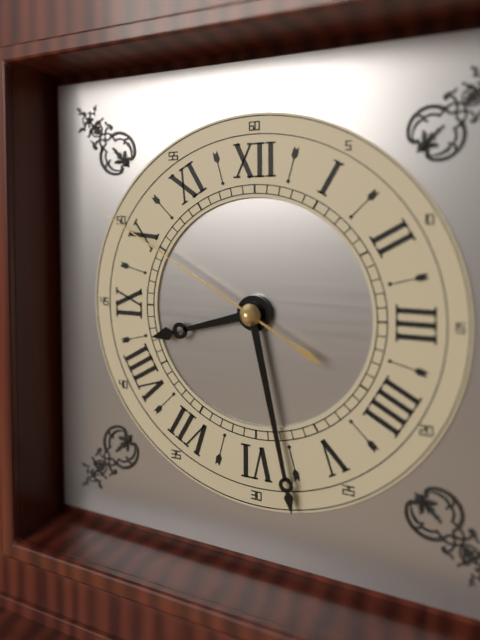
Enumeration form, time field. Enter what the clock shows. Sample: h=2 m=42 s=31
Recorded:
h=8 m=28 s=50
